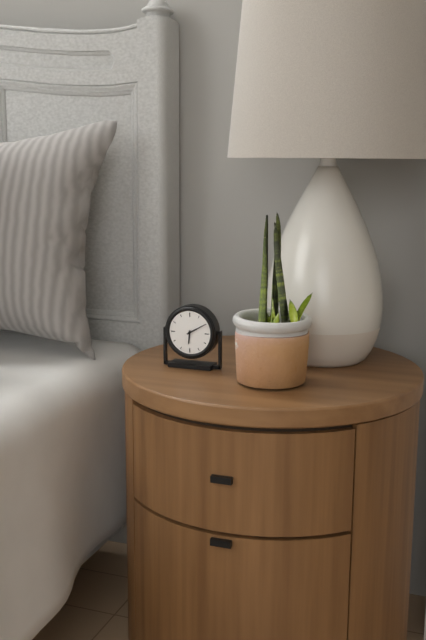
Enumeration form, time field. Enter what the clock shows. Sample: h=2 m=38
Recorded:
h=6 m=10
